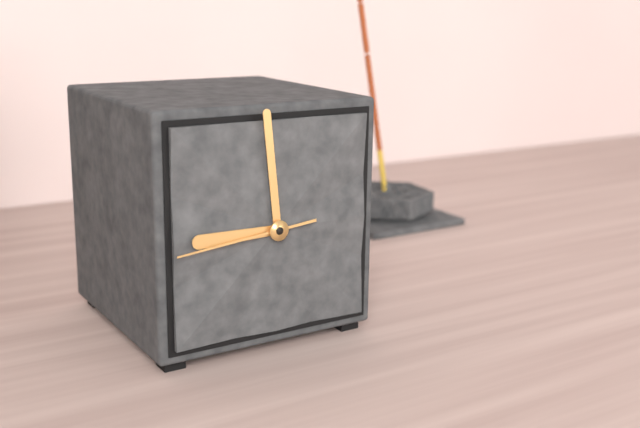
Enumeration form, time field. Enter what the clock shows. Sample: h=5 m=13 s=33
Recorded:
h=8 m=59 s=44
